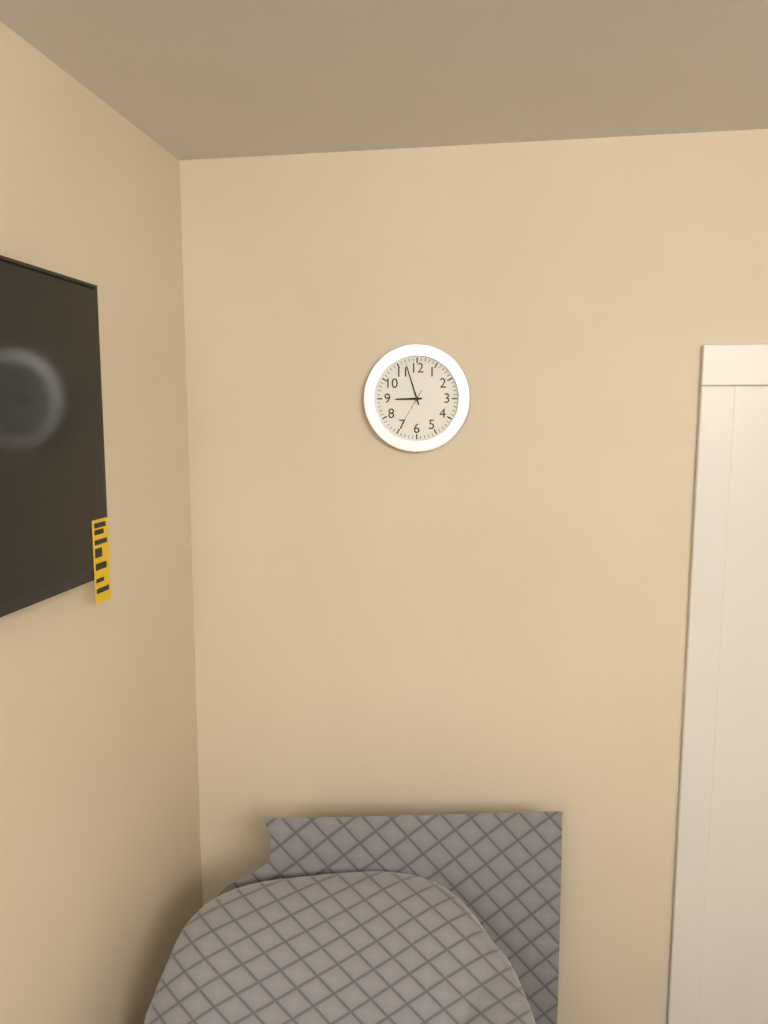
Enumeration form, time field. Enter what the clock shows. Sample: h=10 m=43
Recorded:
h=8 m=57
